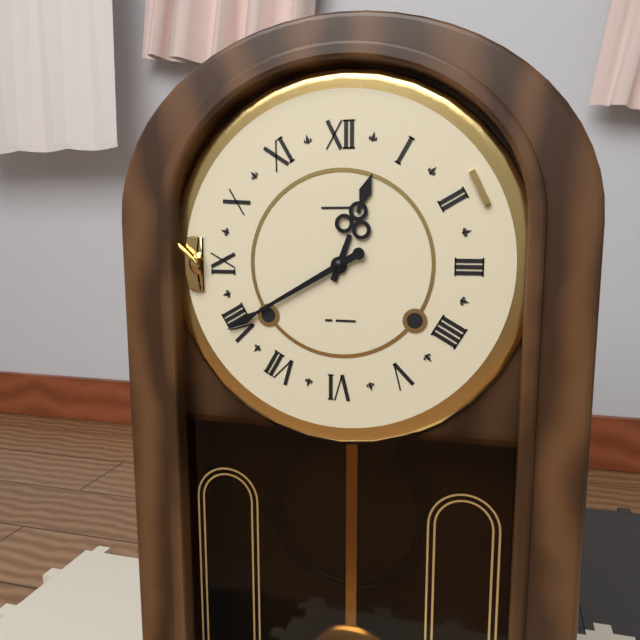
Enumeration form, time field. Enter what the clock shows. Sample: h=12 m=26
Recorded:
h=12 m=40
